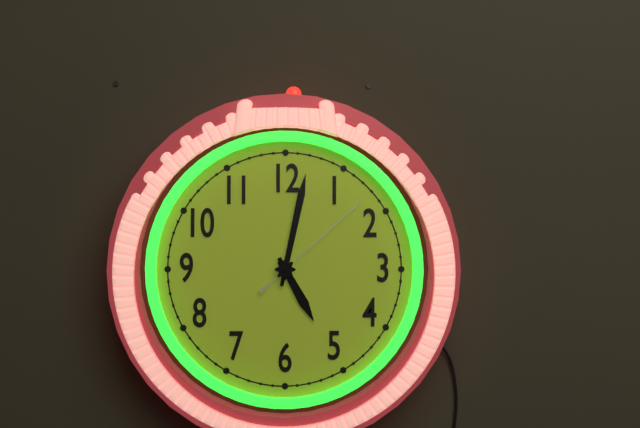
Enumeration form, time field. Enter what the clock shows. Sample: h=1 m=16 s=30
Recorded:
h=5 m=2 s=8
